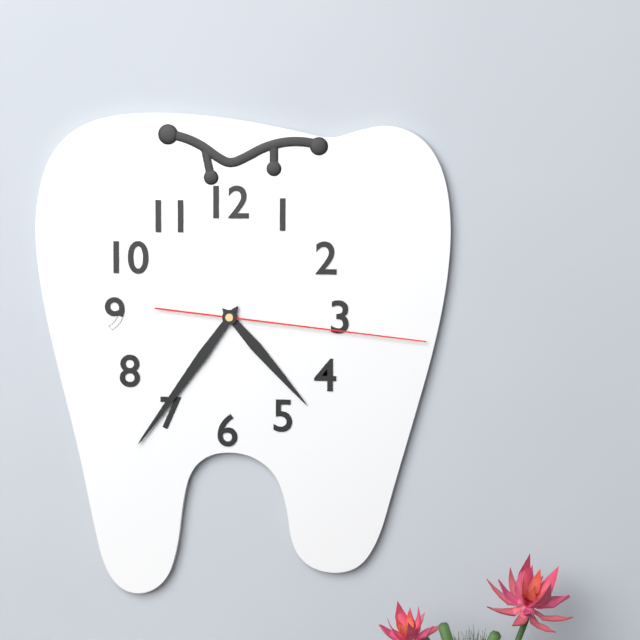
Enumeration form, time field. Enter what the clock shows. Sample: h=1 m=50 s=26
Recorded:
h=4 m=36 s=16
